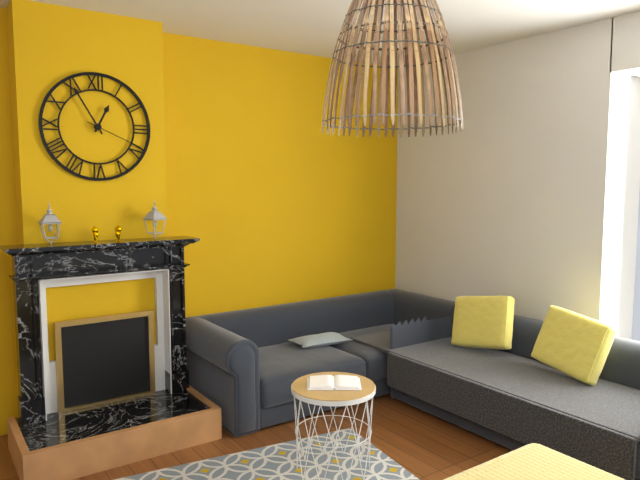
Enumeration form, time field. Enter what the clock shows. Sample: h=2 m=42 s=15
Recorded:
h=12 m=55 s=19
